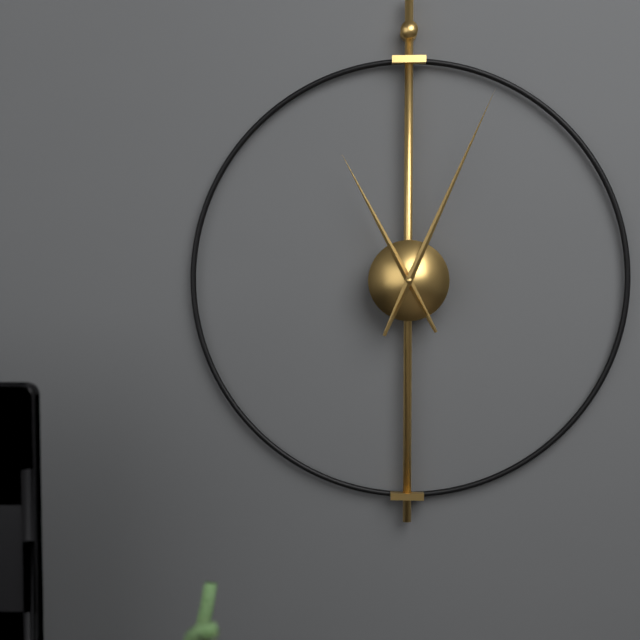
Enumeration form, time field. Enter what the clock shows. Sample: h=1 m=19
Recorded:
h=11 m=4
